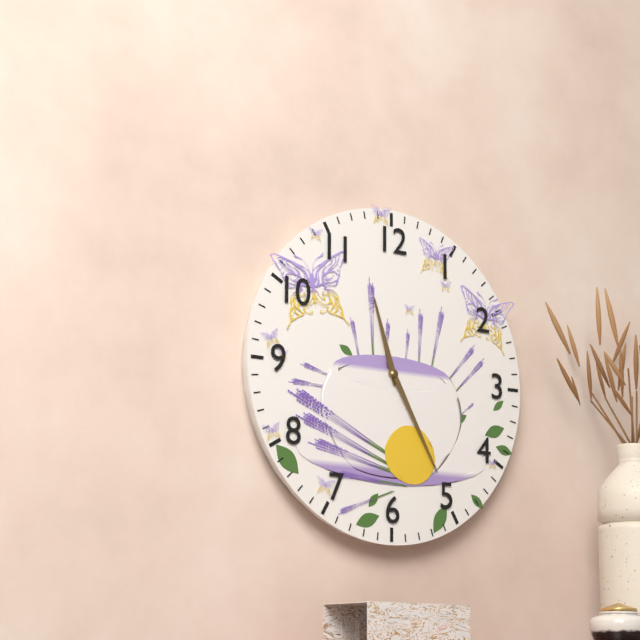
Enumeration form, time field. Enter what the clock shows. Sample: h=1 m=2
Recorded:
h=11 m=25
